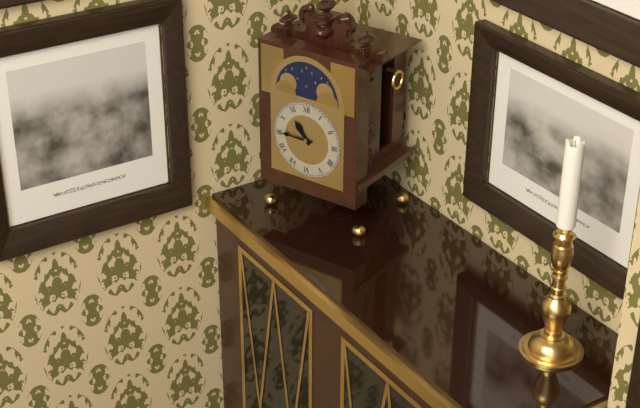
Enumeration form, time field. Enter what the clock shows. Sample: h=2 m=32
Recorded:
h=10 m=45
